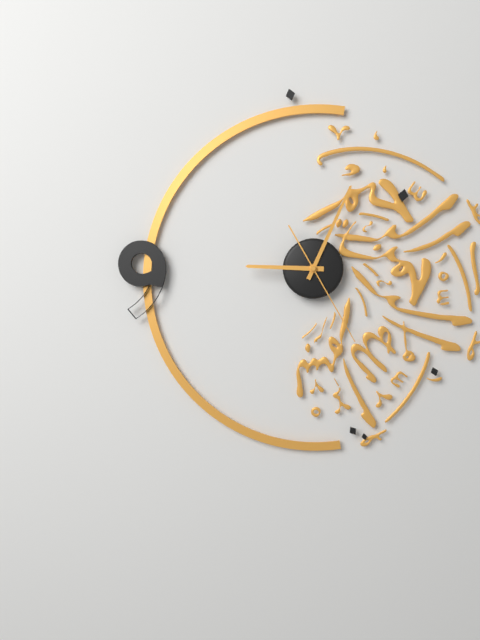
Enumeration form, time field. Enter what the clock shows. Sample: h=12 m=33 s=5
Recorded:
h=9 m=4 s=25
